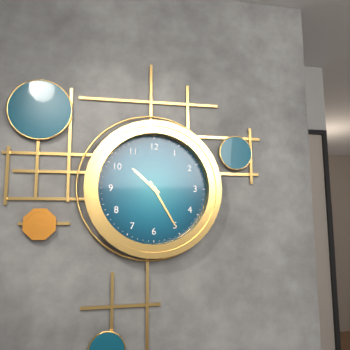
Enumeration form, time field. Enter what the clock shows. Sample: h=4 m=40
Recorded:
h=10 m=25
